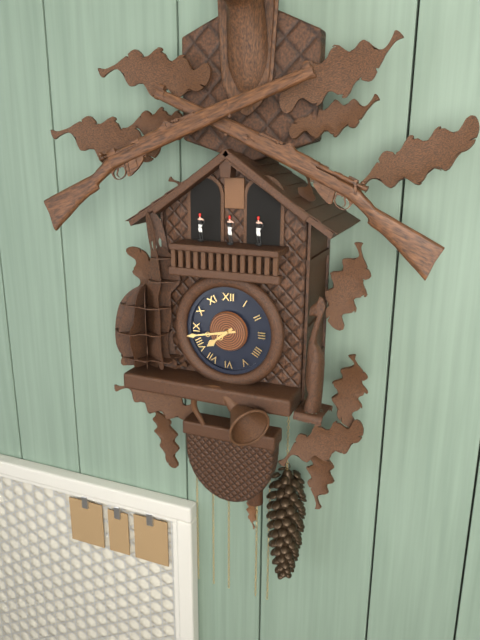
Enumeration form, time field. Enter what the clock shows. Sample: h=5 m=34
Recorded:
h=7 m=43
